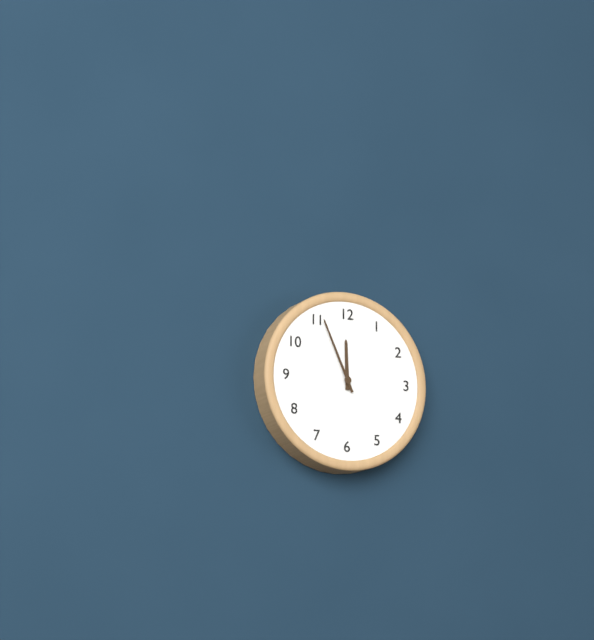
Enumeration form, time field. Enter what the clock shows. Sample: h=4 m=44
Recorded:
h=11 m=56
